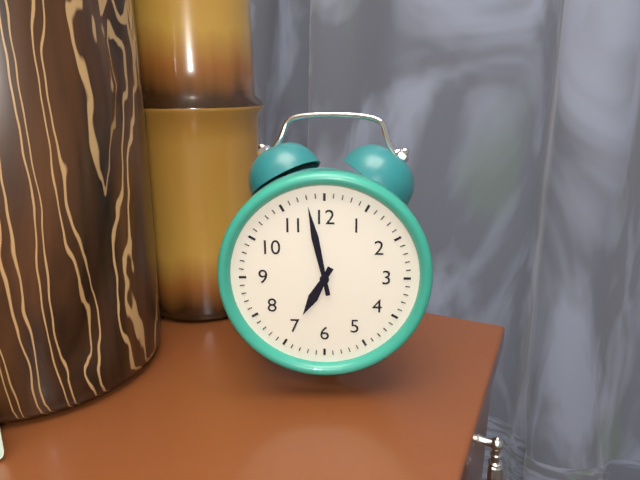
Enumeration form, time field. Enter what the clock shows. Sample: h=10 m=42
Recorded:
h=6 m=58
